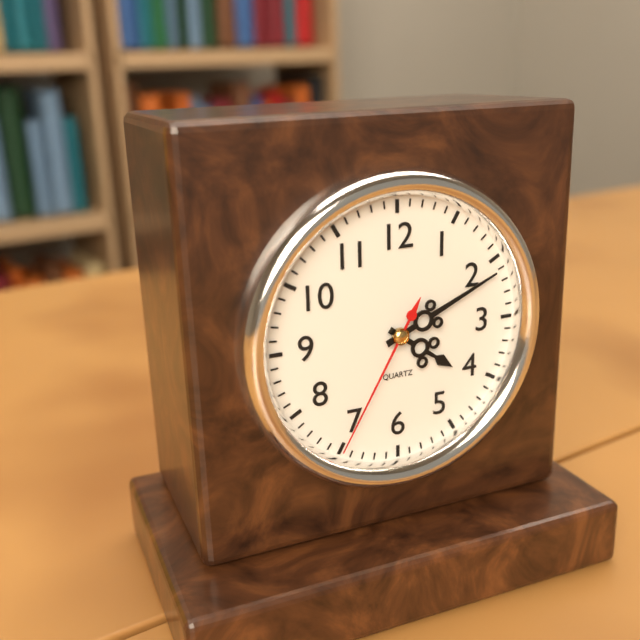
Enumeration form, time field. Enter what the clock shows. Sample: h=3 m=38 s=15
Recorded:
h=4 m=11 s=35
